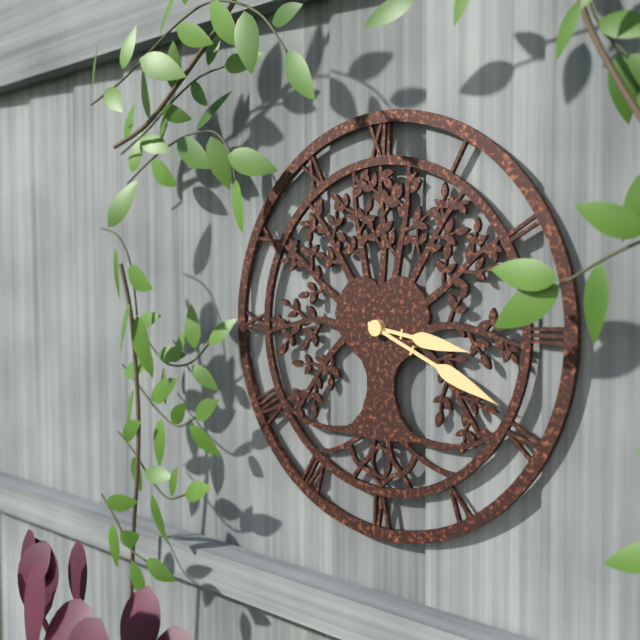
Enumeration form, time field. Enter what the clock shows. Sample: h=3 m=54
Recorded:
h=3 m=19
